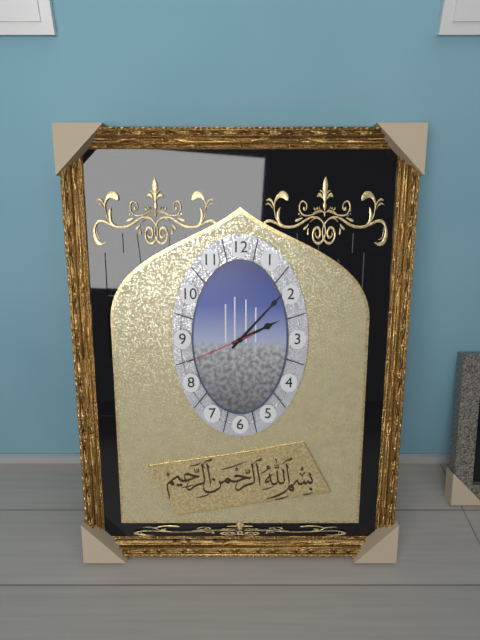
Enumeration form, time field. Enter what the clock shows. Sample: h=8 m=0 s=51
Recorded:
h=2 m=7 s=41
